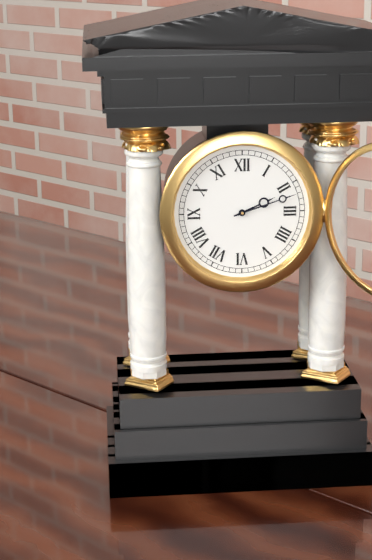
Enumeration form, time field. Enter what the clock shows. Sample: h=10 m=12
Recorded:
h=2 m=12
